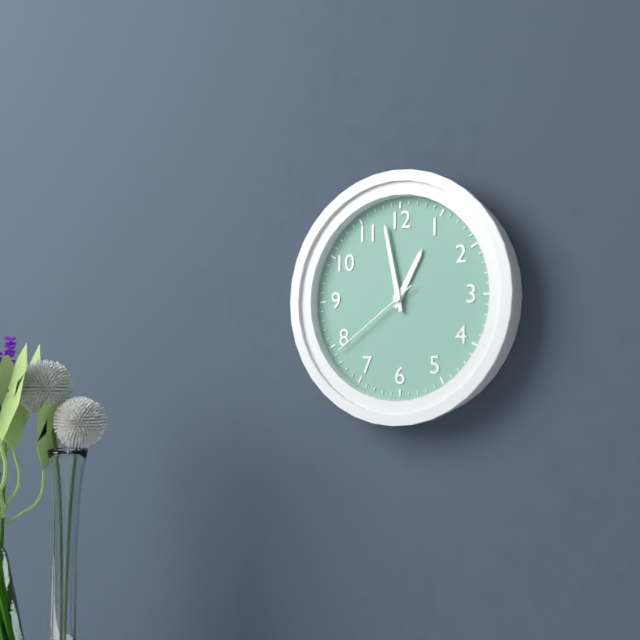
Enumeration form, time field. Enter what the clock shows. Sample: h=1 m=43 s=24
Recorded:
h=12 m=58 s=39
